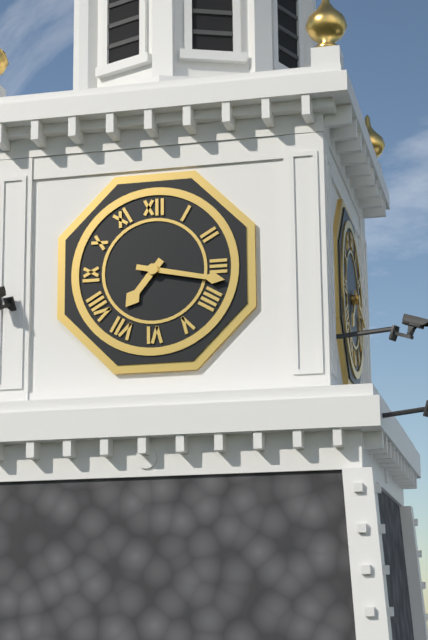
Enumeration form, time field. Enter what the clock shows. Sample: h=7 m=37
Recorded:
h=7 m=17
